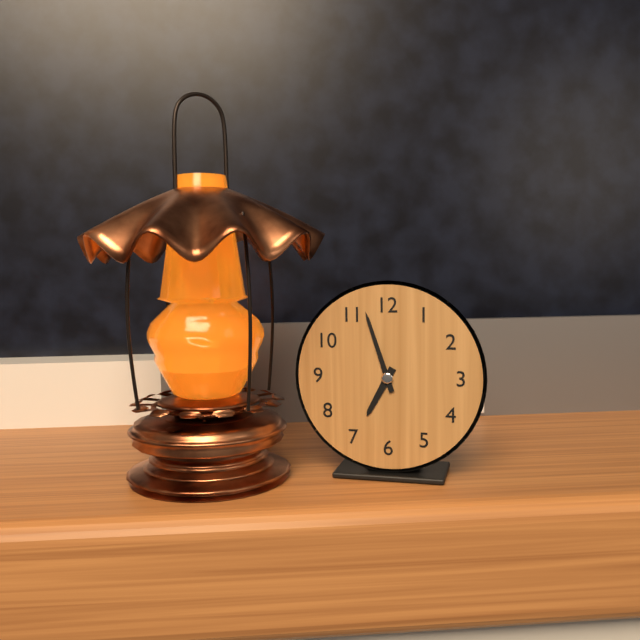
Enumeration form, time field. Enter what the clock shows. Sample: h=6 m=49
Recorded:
h=6 m=57
